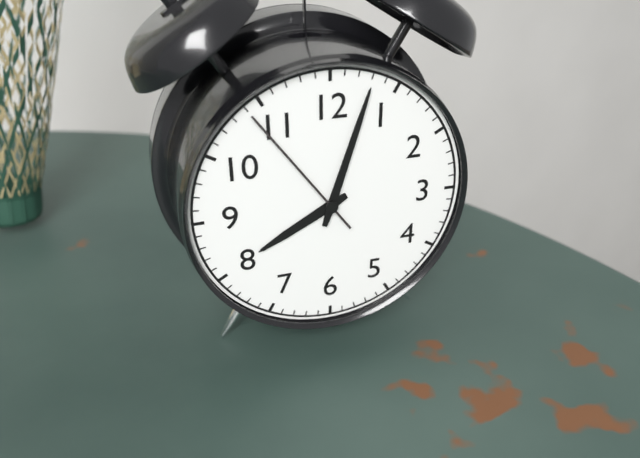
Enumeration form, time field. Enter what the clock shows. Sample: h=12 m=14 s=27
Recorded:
h=8 m=3 s=54
